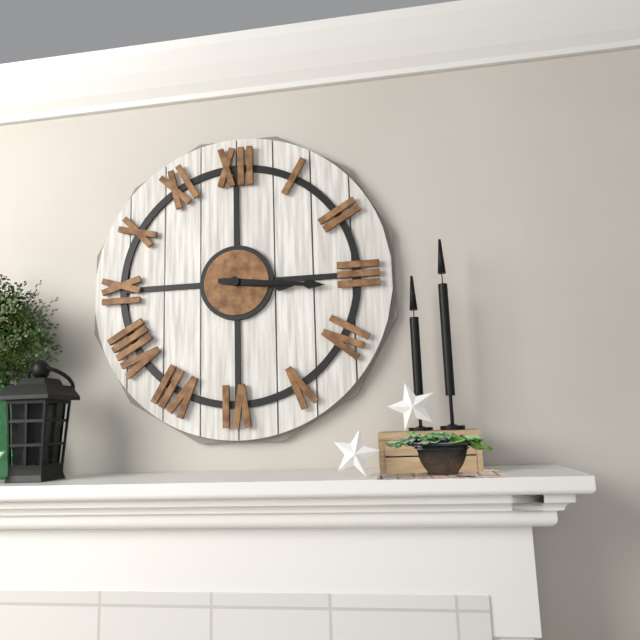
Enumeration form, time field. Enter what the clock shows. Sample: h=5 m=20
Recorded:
h=3 m=16
